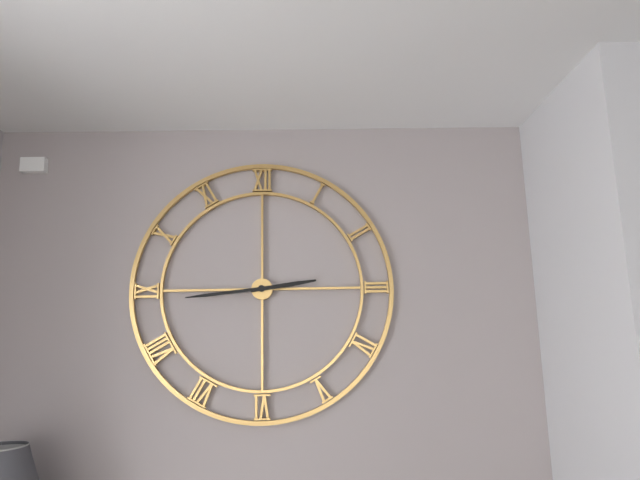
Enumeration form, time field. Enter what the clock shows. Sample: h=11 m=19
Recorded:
h=2 m=44
